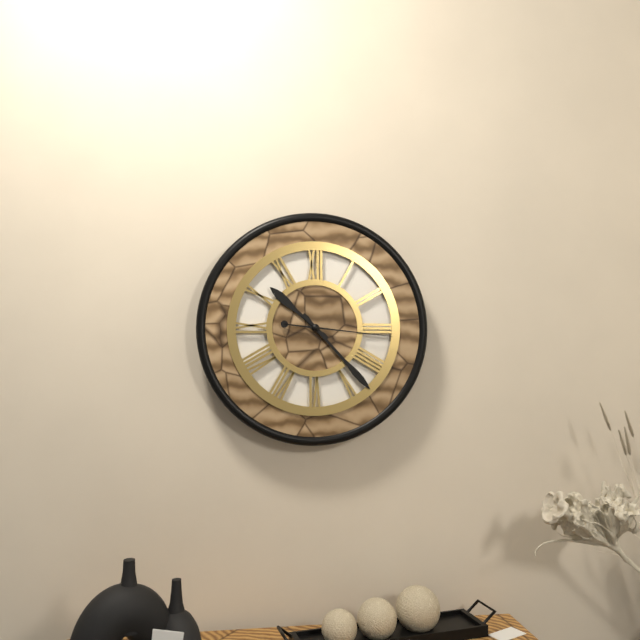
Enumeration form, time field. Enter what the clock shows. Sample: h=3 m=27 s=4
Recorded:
h=10 m=23 s=16
